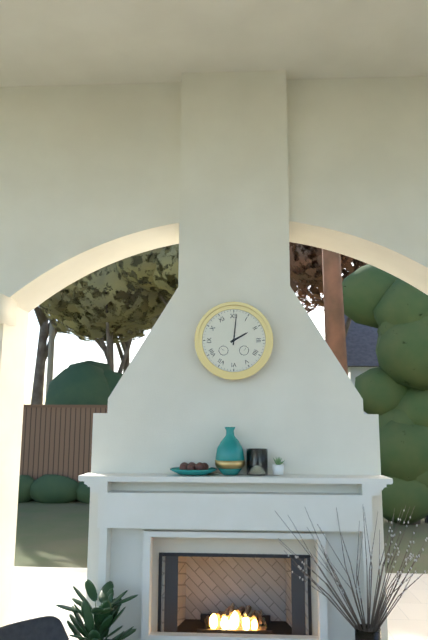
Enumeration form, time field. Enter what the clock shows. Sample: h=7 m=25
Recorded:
h=2 m=1
